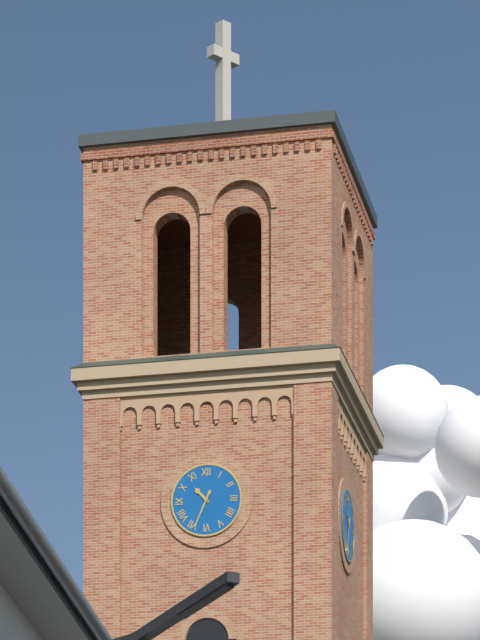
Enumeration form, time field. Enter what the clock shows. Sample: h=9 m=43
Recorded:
h=10 m=34
